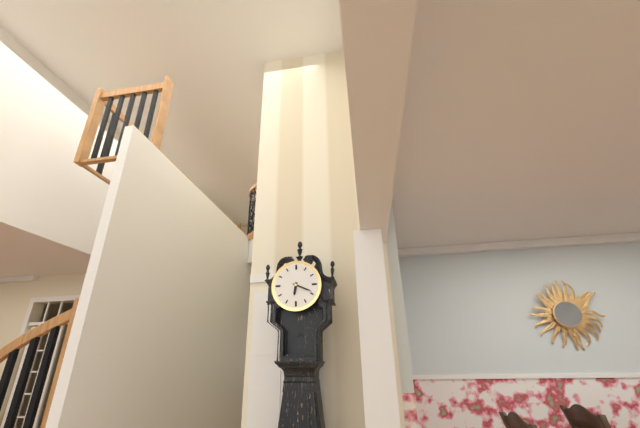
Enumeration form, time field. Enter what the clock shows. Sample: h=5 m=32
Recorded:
h=6 m=19
